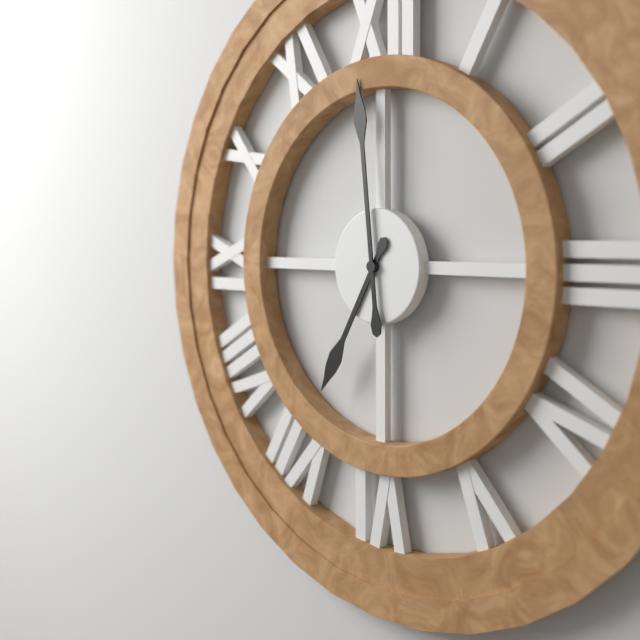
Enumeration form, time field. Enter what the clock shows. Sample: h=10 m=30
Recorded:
h=6 m=59
